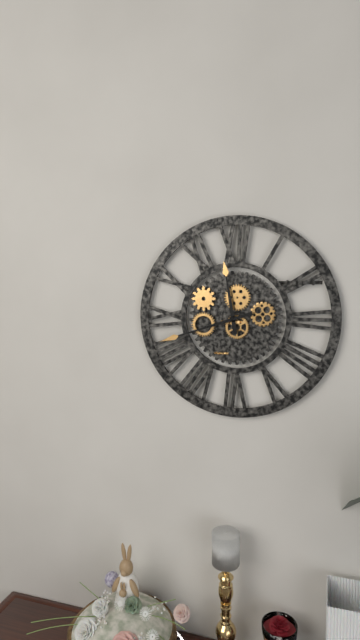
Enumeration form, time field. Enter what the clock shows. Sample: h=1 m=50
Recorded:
h=11 m=42
